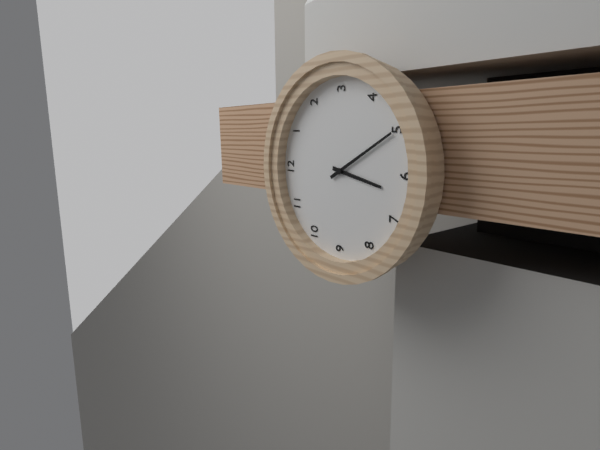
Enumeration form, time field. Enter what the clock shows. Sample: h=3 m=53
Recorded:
h=6 m=25
